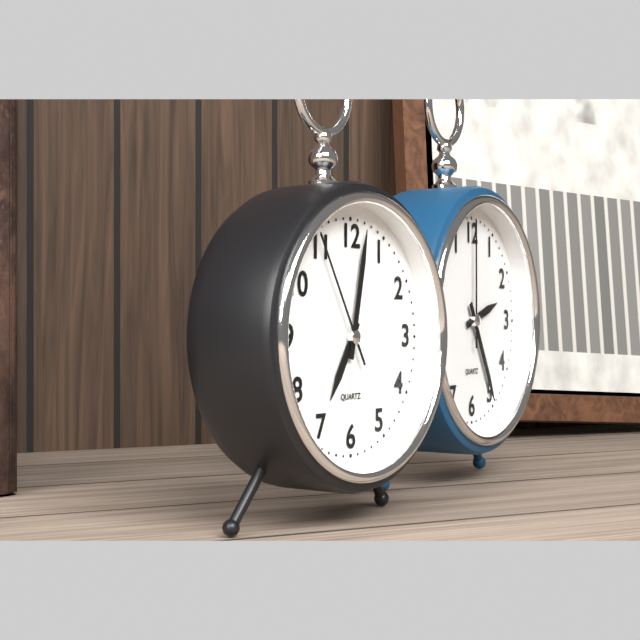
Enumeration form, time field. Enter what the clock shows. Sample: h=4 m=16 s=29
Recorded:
h=7 m=2 s=55
